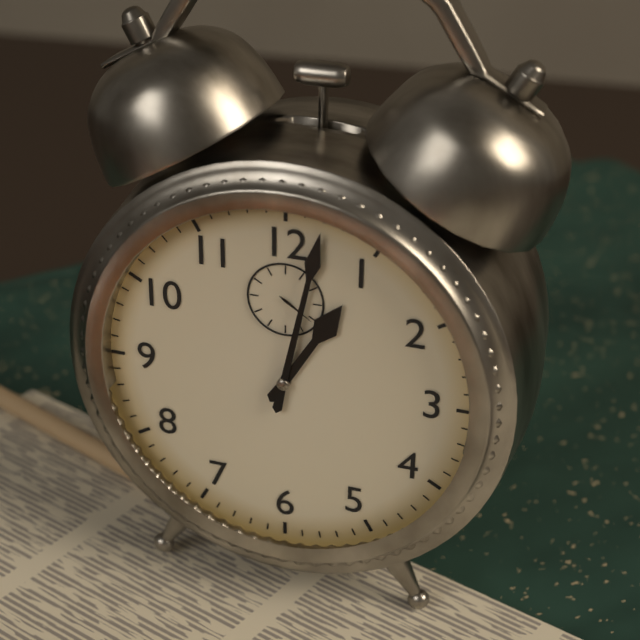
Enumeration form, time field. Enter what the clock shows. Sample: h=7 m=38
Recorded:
h=1 m=2
